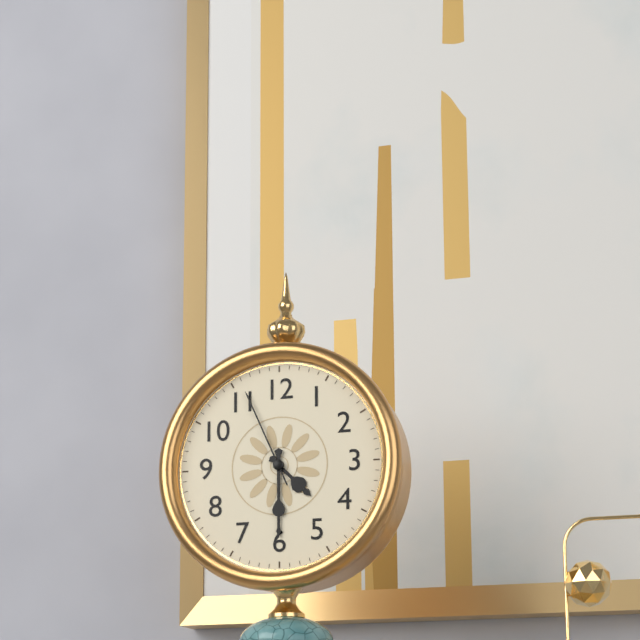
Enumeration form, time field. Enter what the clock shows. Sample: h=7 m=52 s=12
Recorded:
h=4 m=30 s=56
